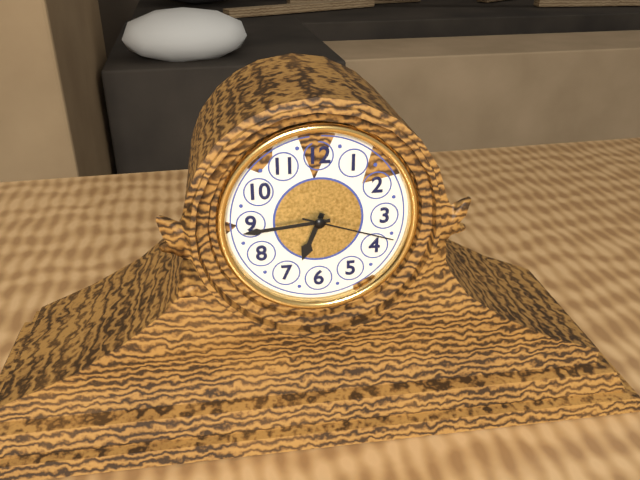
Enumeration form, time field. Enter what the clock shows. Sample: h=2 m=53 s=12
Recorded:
h=6 m=44 s=18
